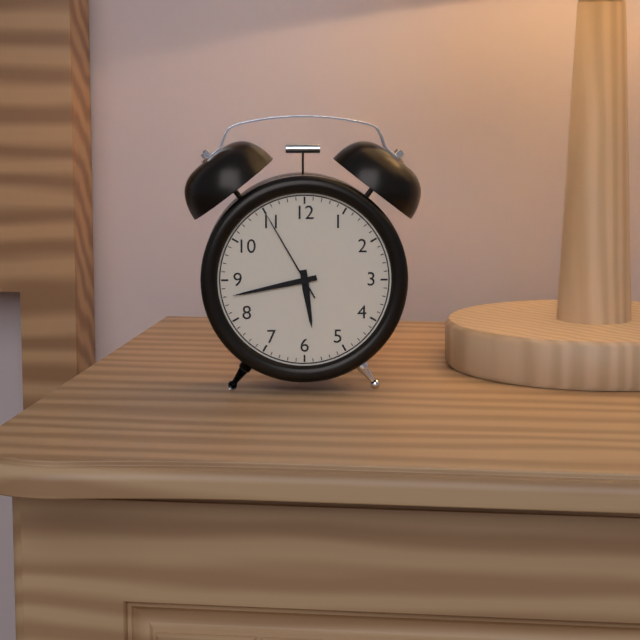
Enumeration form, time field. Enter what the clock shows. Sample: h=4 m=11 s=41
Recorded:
h=5 m=43 s=55
